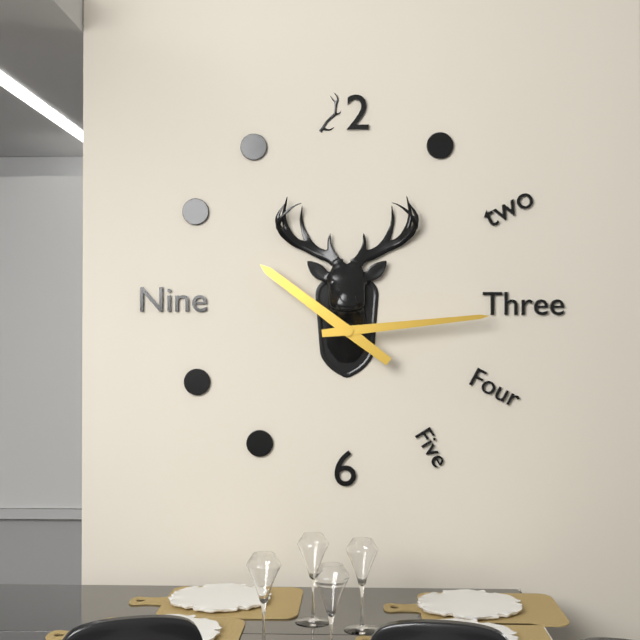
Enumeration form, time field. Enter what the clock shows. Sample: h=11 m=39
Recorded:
h=10 m=14
